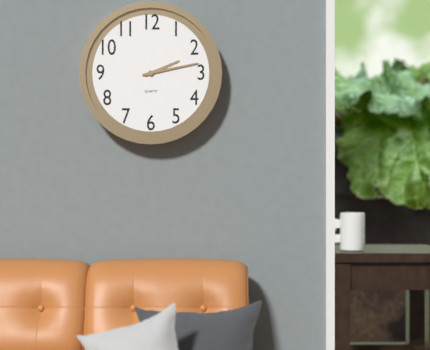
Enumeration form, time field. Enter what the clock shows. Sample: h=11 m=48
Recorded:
h=2 m=13
